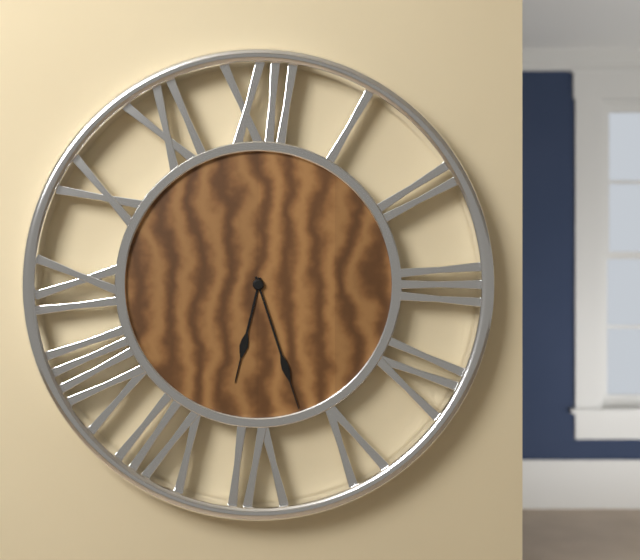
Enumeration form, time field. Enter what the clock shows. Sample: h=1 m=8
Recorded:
h=6 m=27
